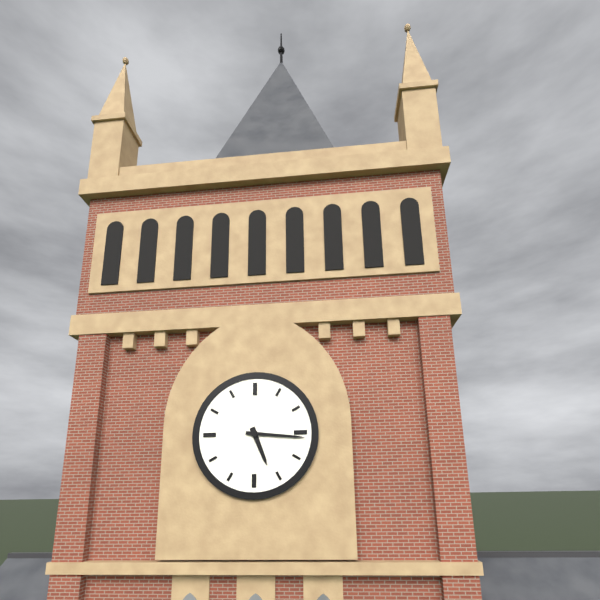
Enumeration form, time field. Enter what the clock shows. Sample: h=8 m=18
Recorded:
h=5 m=16
